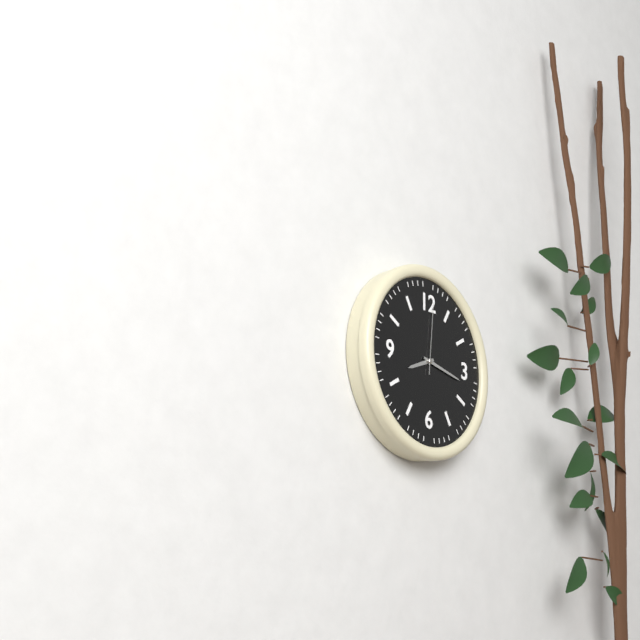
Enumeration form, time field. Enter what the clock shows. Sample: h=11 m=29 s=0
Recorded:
h=8 m=17 s=1
